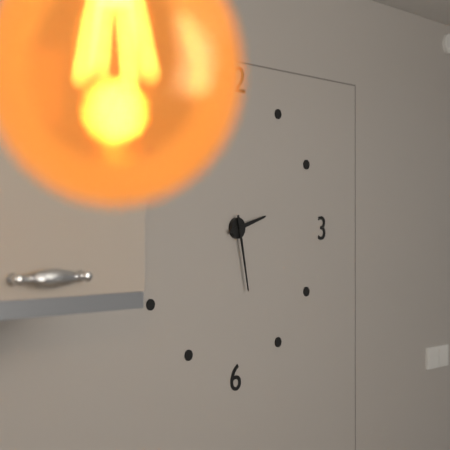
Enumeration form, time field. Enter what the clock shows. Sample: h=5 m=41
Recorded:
h=2 m=28
